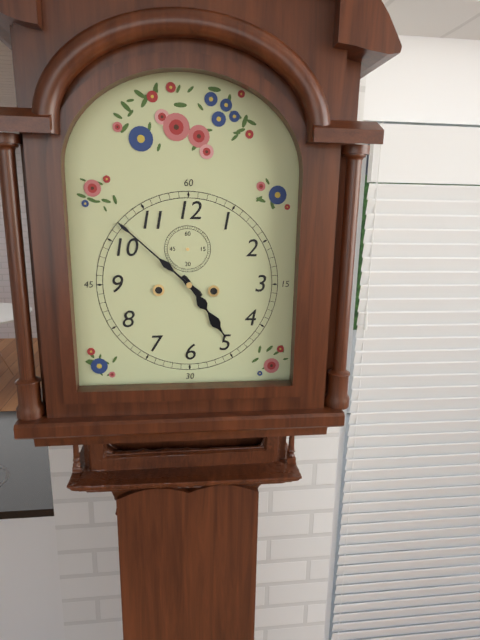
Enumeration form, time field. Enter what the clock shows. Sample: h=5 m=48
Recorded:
h=4 m=52
